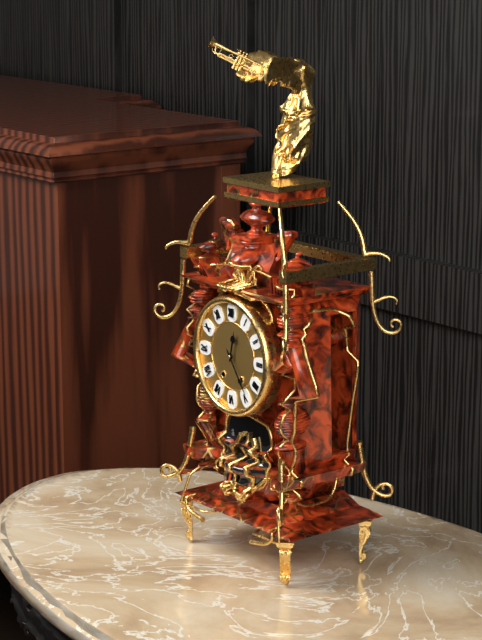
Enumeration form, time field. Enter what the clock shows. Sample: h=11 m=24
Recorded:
h=12 m=24
